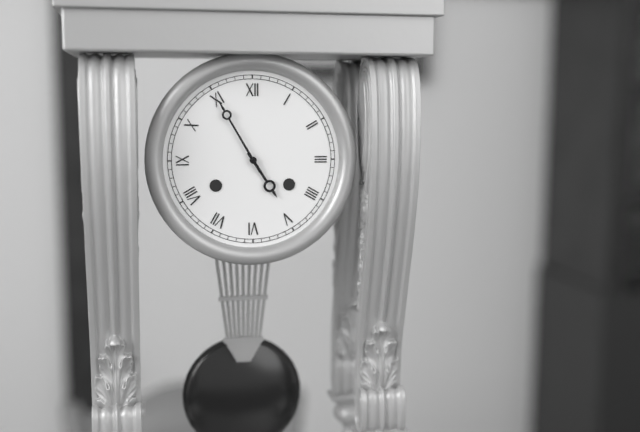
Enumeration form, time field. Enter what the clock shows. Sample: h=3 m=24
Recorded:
h=4 m=55
